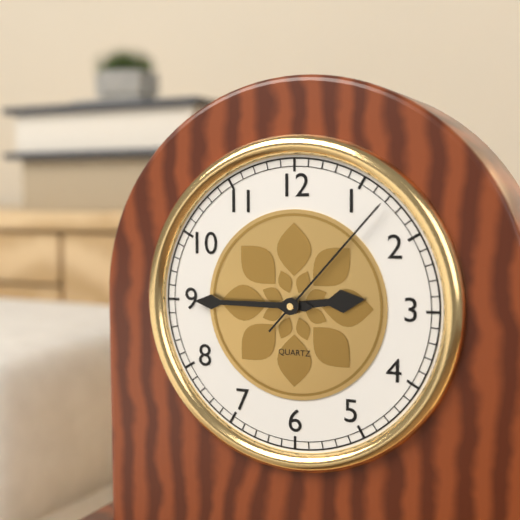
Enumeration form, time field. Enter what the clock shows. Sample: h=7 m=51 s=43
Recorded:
h=2 m=45 s=7
